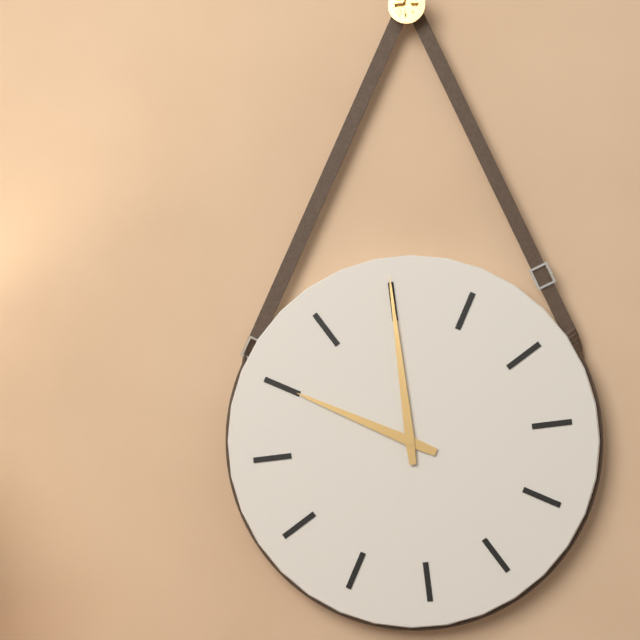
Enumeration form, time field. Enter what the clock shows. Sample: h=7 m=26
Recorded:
h=10 m=0
